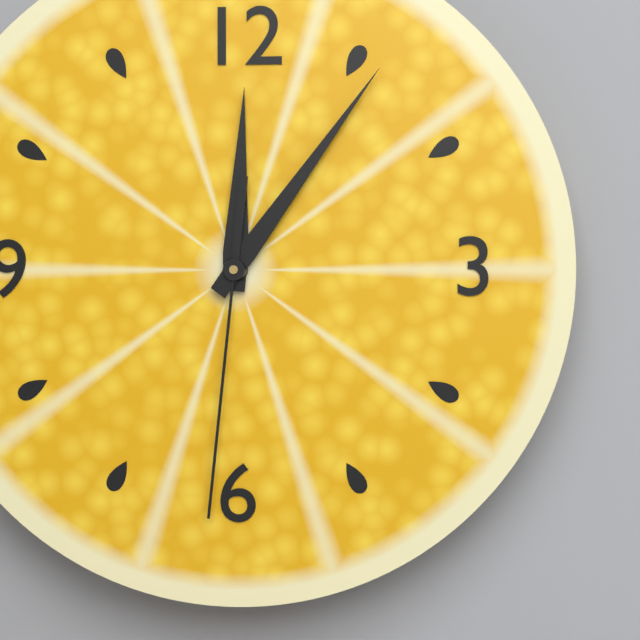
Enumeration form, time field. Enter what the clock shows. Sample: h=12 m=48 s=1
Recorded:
h=12 m=6 s=31
